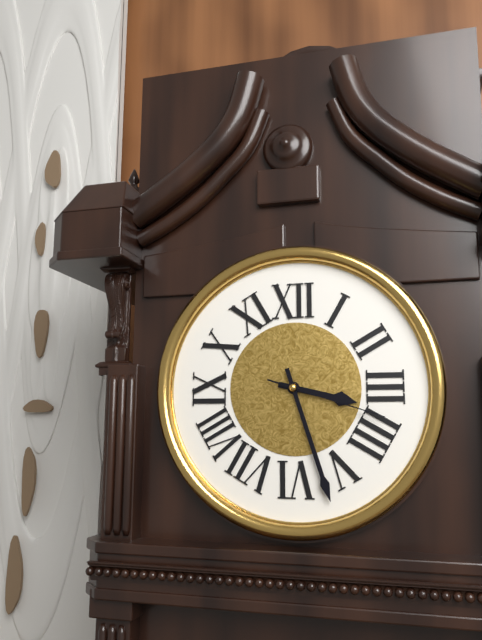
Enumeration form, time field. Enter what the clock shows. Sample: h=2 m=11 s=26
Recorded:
h=3 m=27 s=18
